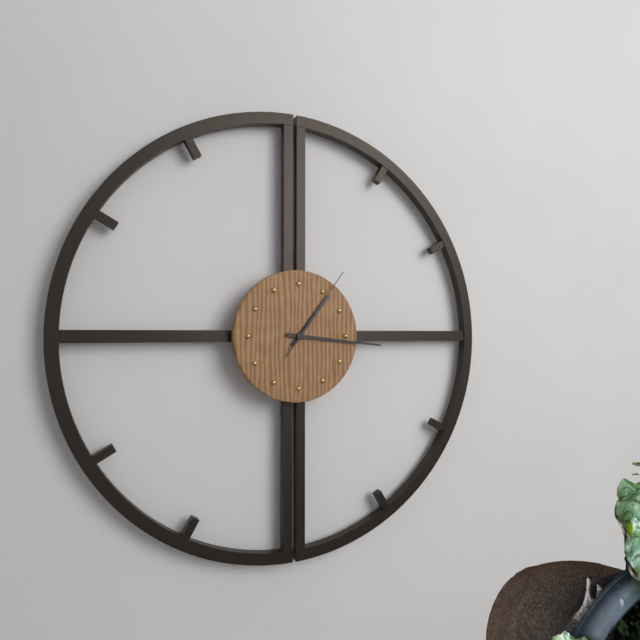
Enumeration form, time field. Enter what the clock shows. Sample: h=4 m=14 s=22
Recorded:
h=1 m=16 s=6
